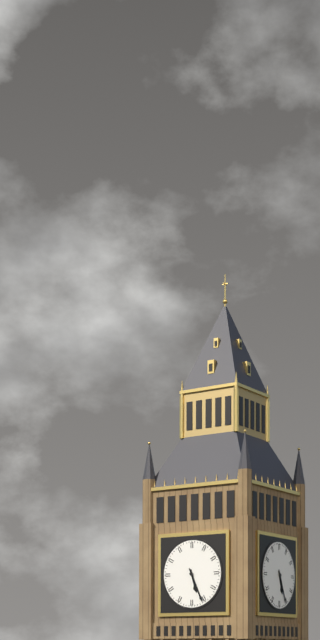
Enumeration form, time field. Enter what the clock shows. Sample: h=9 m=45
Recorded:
h=5 m=26
